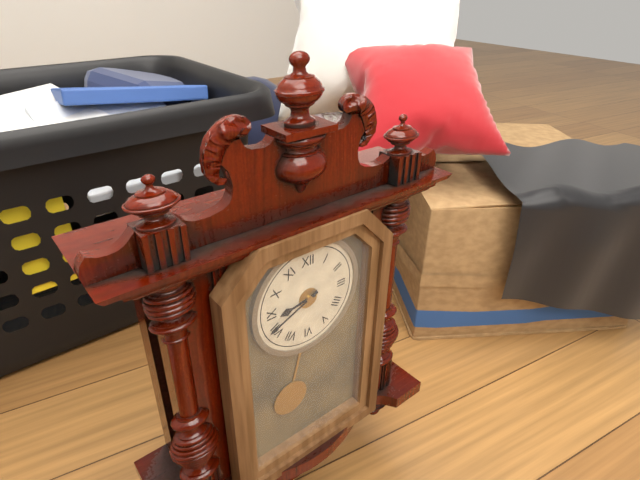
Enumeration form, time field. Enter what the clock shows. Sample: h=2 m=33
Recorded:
h=8 m=41
